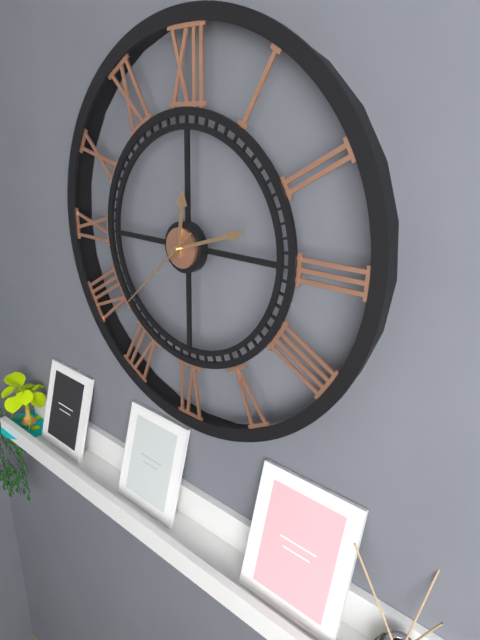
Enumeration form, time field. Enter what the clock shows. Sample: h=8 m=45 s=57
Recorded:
h=12 m=12 s=38
